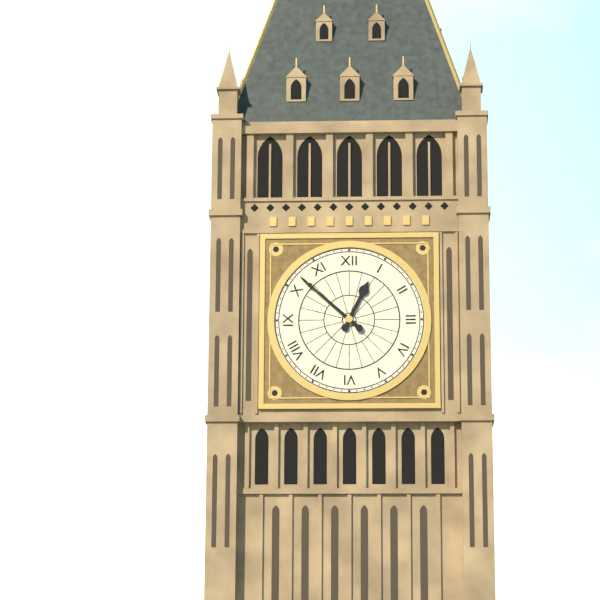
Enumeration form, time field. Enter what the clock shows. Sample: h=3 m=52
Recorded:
h=12 m=52
